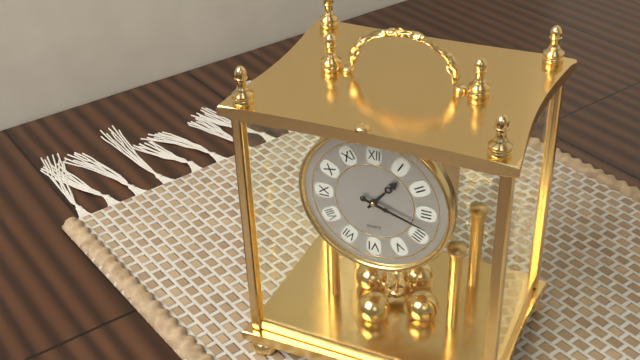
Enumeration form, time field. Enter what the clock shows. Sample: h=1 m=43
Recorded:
h=1 m=18
